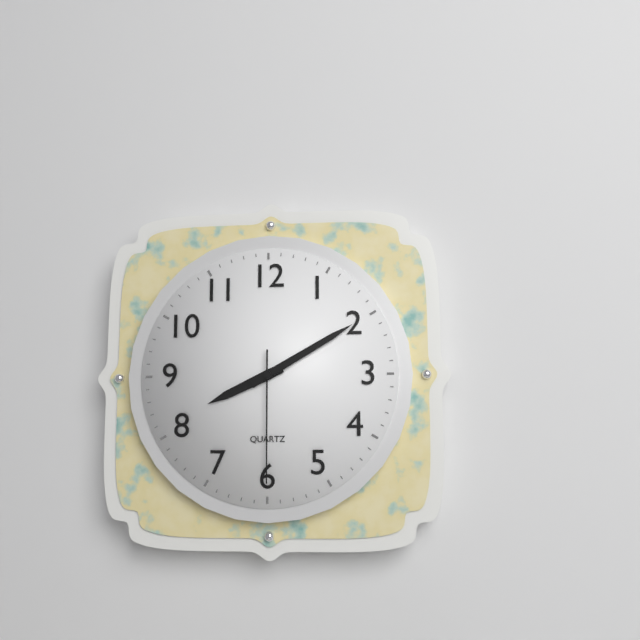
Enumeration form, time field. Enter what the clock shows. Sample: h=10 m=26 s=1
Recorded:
h=8 m=10 s=30
